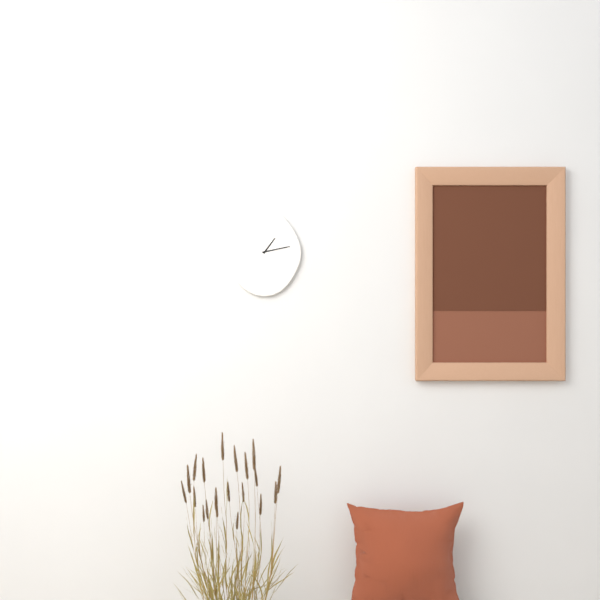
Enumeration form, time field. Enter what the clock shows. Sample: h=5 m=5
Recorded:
h=1 m=13
